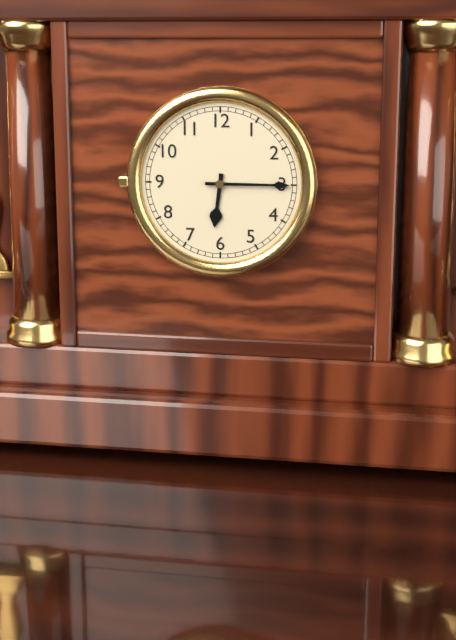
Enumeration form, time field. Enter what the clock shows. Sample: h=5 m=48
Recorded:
h=6 m=15
